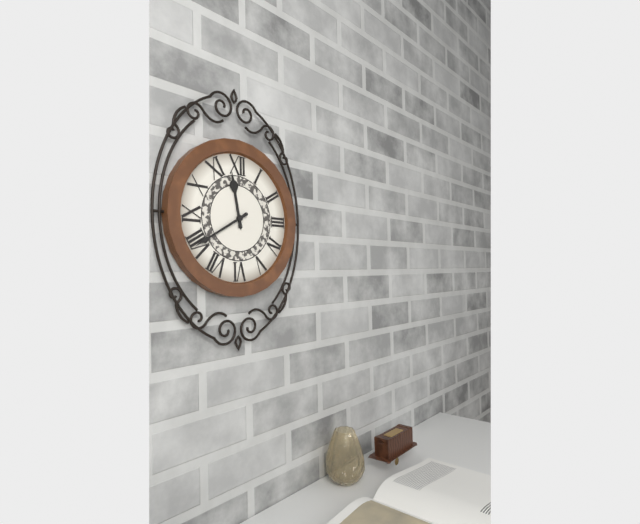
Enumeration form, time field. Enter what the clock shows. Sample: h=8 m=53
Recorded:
h=11 m=40
